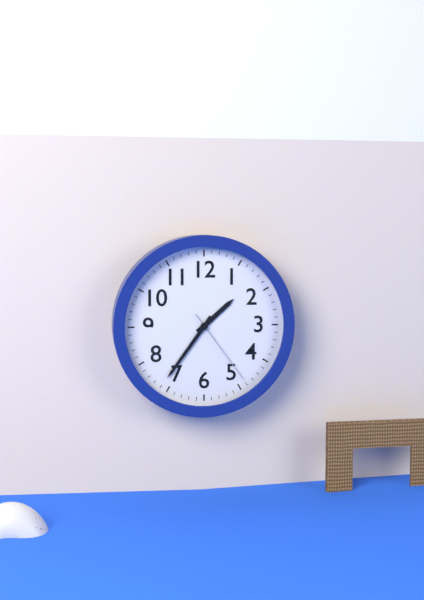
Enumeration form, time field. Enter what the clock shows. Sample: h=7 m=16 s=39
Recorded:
h=1 m=36 s=24
